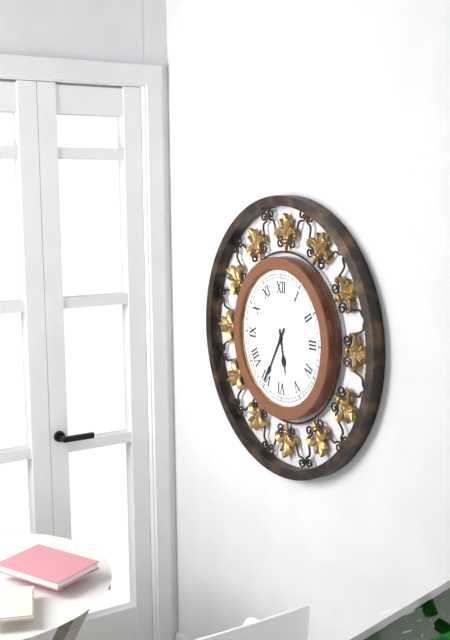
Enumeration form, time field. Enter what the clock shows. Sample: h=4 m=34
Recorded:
h=5 m=35
